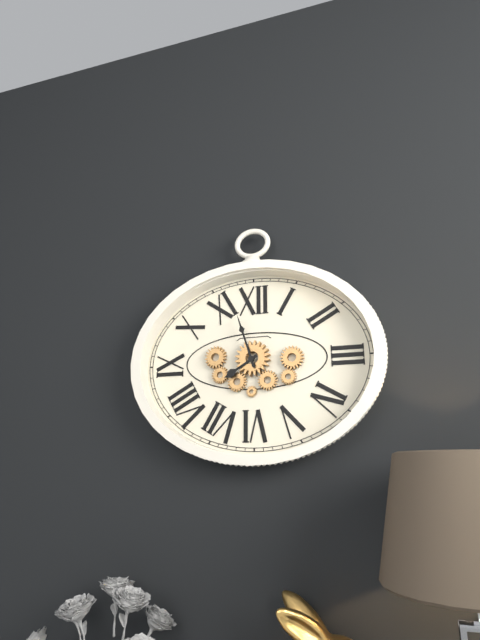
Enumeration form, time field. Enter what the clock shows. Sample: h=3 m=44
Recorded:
h=7 m=57
